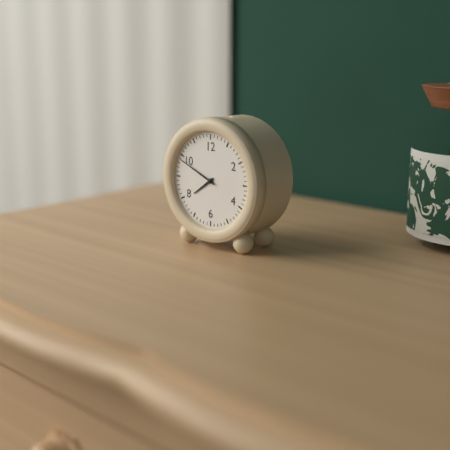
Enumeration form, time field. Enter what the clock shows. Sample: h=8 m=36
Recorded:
h=7 m=49
